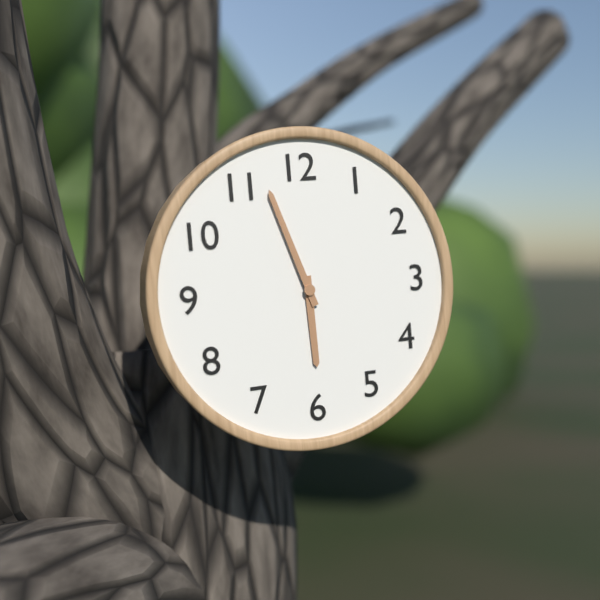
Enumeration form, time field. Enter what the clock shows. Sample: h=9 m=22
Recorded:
h=5 m=57
